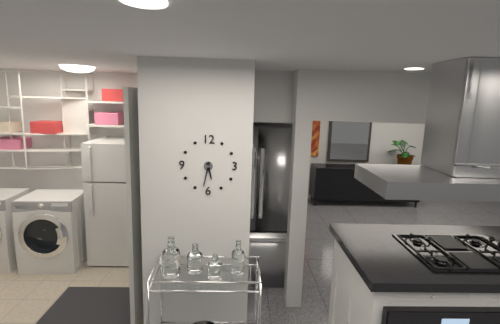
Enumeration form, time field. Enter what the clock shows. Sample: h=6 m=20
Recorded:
h=5 m=32
